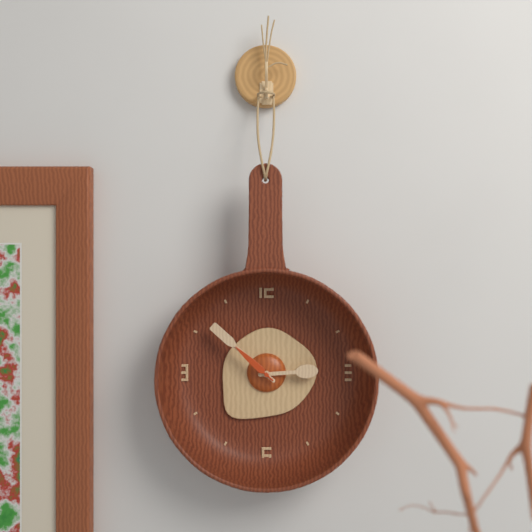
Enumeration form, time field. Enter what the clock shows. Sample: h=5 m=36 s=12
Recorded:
h=2 m=52 s=52
